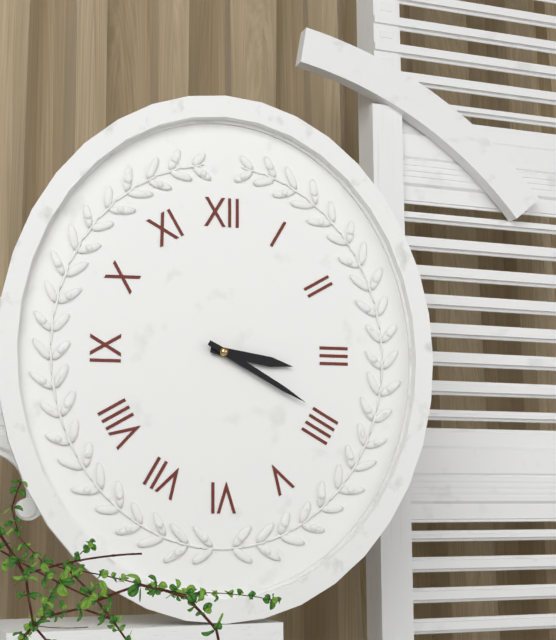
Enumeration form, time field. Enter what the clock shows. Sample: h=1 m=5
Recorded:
h=3 m=20
